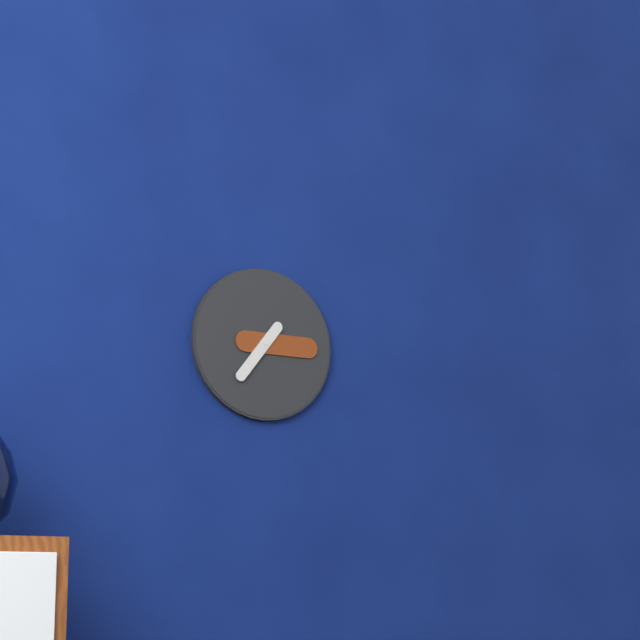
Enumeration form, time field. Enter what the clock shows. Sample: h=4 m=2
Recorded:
h=7 m=15
